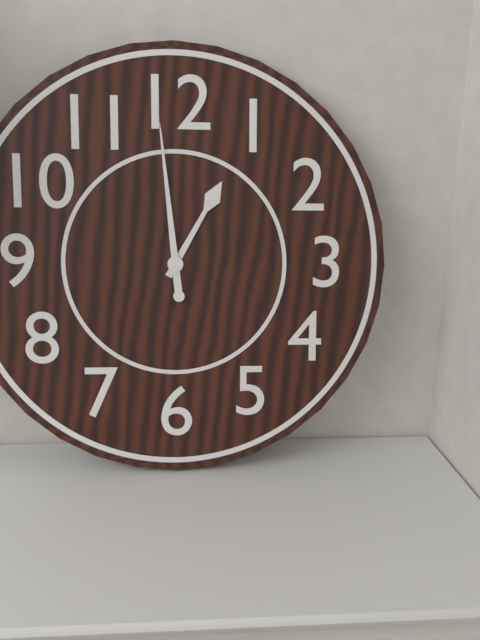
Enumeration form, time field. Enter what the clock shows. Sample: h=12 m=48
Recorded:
h=12 m=59
